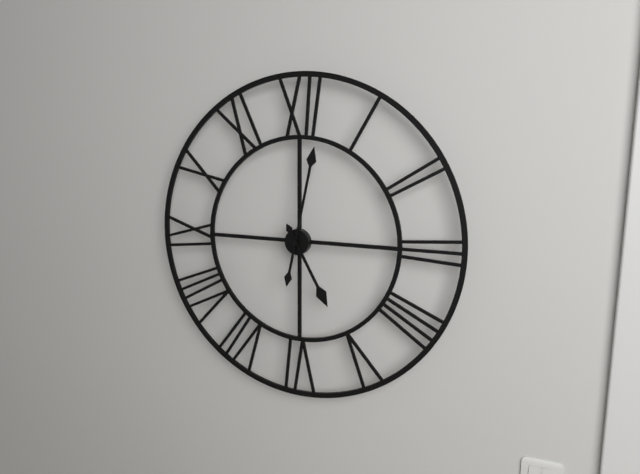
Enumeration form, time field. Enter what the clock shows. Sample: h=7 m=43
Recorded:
h=5 m=2
